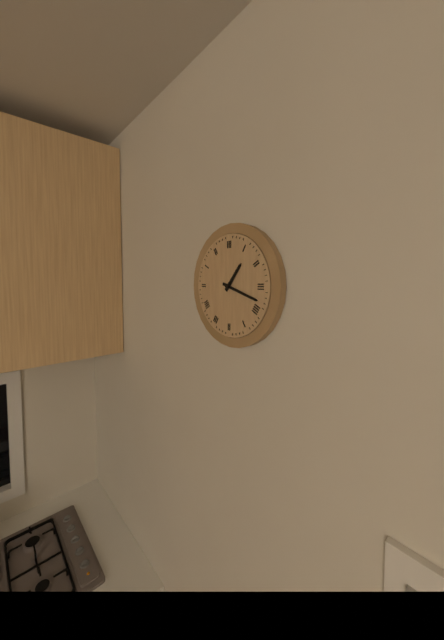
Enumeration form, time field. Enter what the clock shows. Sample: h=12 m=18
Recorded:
h=1 m=18
